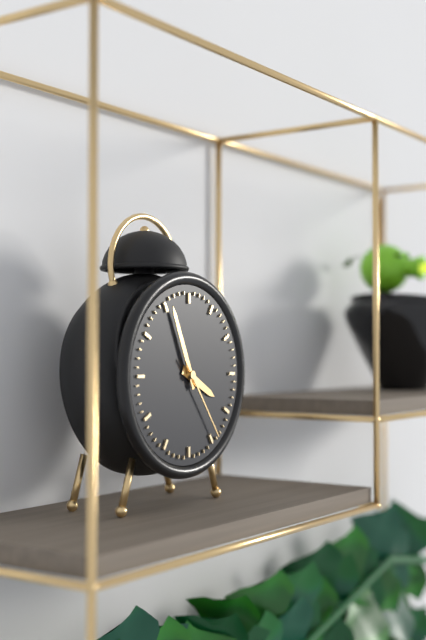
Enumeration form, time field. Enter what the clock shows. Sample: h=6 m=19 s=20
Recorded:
h=3 m=56 s=24
